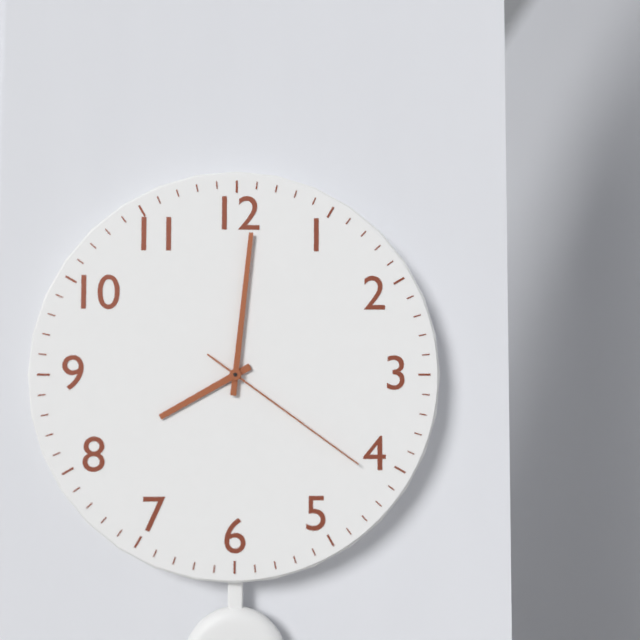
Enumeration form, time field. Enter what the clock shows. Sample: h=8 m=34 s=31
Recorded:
h=8 m=1 s=21
